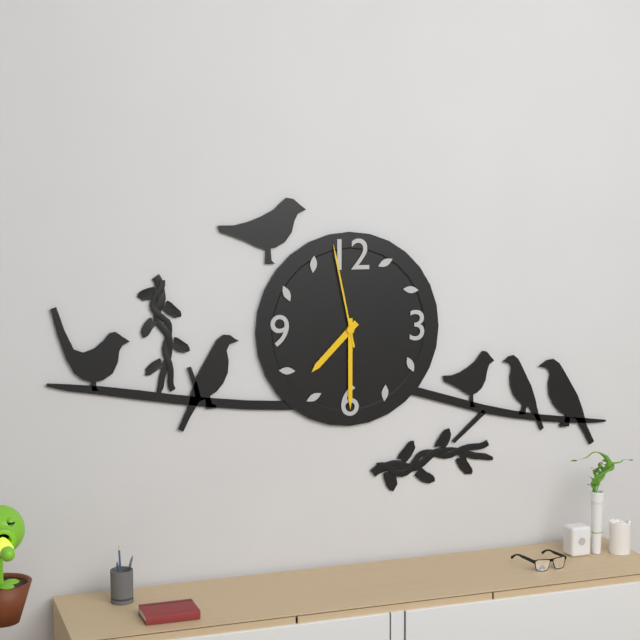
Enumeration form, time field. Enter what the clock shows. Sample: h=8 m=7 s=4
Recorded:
h=7 m=30 s=58
